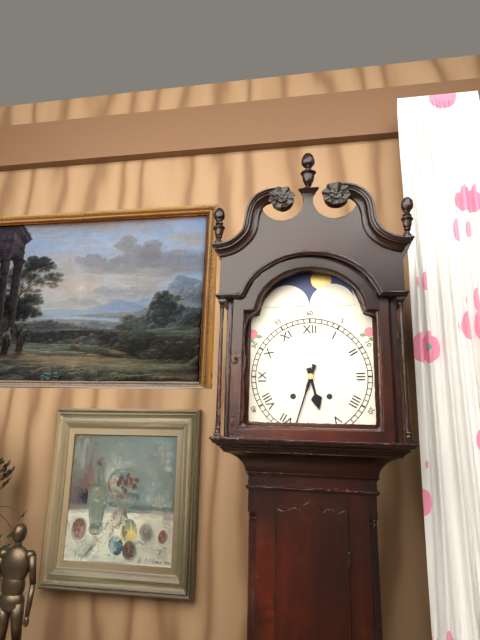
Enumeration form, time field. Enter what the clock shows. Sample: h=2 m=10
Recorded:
h=5 m=33
